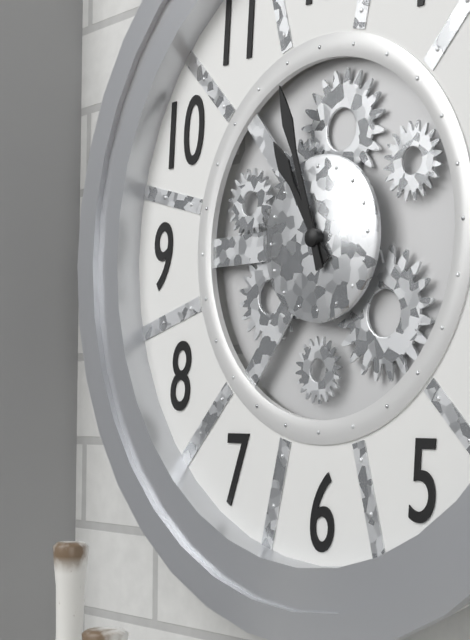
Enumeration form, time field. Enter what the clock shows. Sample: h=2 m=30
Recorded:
h=10 m=57
